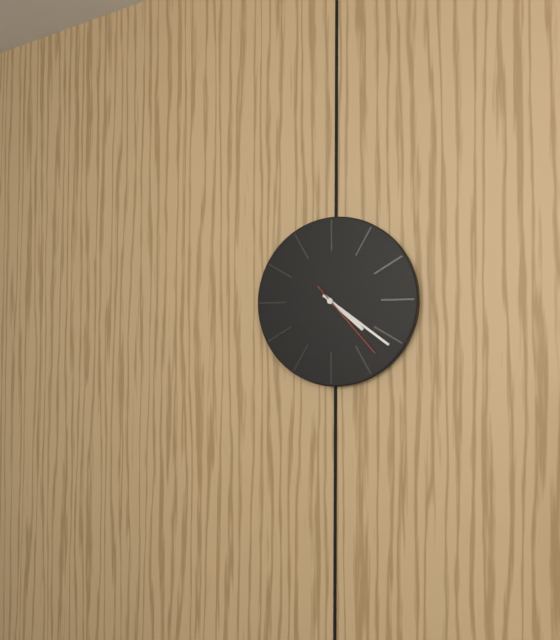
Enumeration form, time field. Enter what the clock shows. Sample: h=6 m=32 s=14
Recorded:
h=4 m=21 s=23
